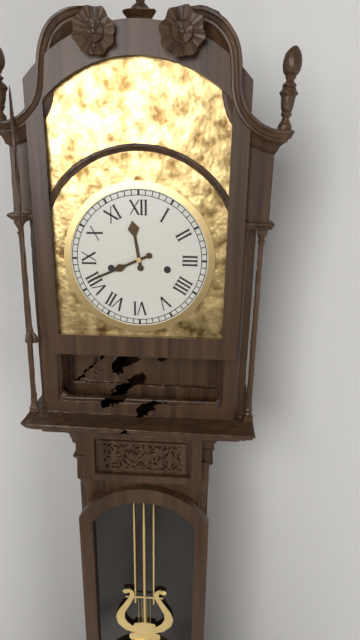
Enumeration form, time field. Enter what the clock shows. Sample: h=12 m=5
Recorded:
h=11 m=41
